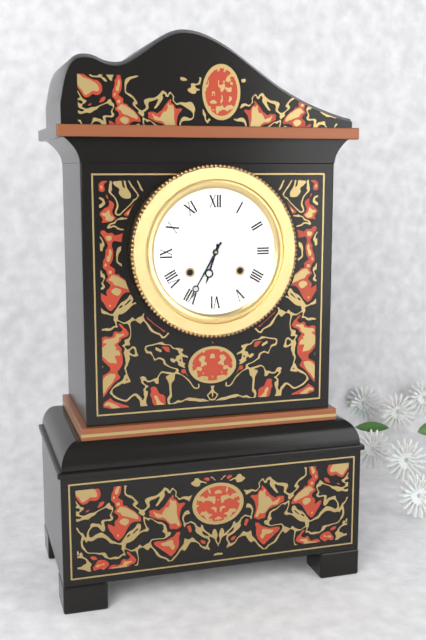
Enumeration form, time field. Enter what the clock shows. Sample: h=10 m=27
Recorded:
h=6 m=35
